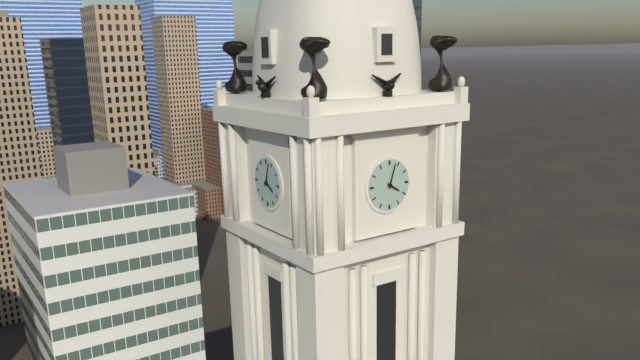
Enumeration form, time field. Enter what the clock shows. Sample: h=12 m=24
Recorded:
h=4 m=3
